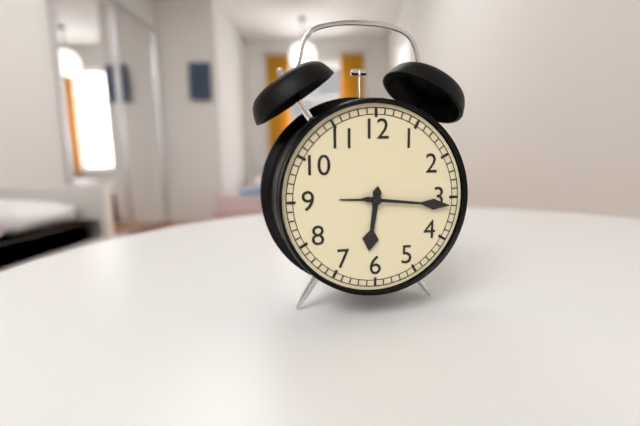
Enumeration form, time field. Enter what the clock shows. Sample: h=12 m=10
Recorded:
h=6 m=16
